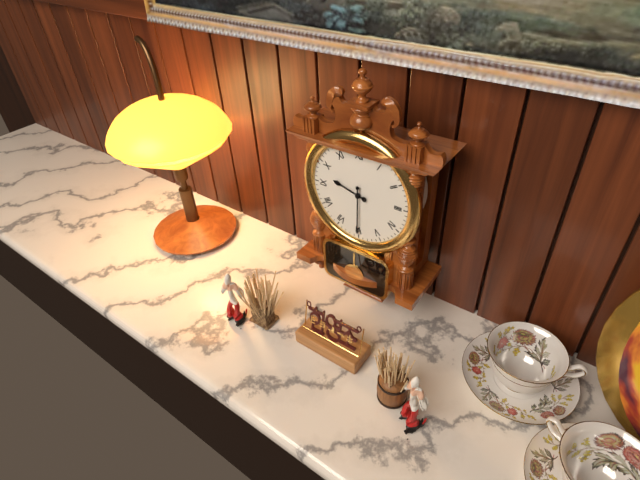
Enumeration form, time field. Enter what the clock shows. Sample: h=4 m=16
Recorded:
h=9 m=30
